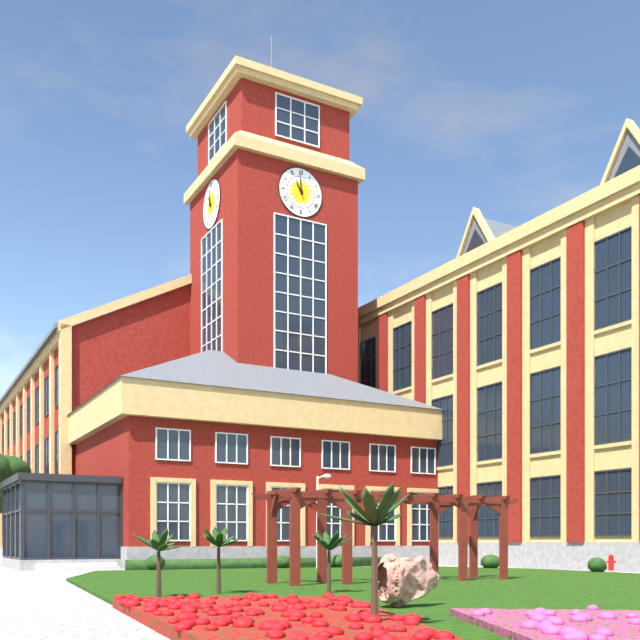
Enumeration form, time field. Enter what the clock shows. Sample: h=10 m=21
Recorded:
h=10 m=59
